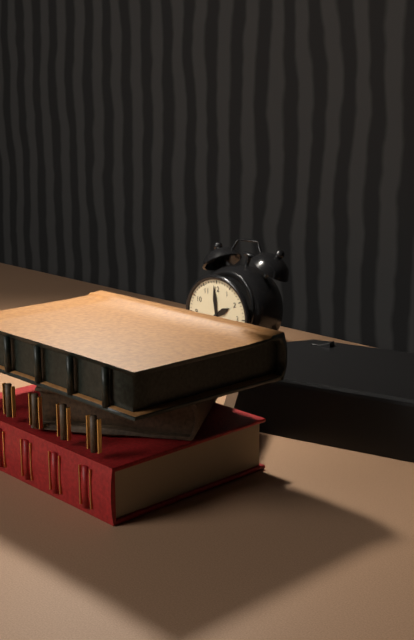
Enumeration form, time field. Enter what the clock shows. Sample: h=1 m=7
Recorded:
h=1 m=59
